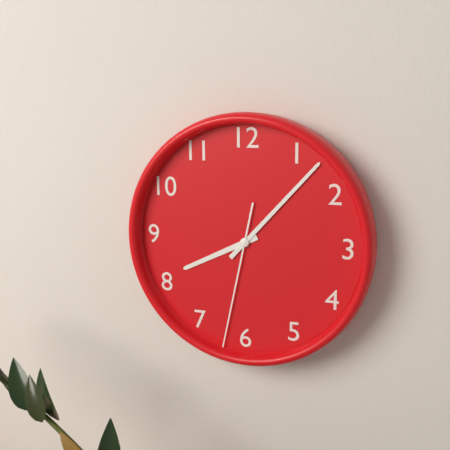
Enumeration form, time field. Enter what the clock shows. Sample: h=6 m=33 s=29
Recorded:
h=8 m=7 s=32
